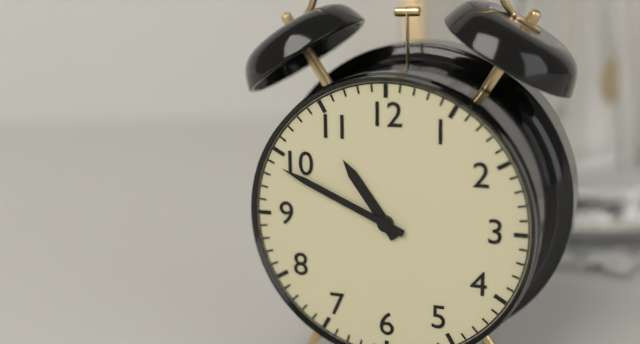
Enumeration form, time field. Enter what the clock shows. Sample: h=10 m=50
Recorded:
h=10 m=49
